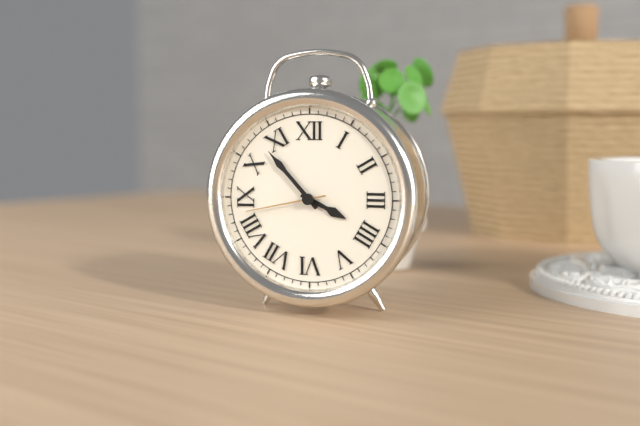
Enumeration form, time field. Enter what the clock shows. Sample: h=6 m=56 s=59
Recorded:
h=3 m=53 s=43
